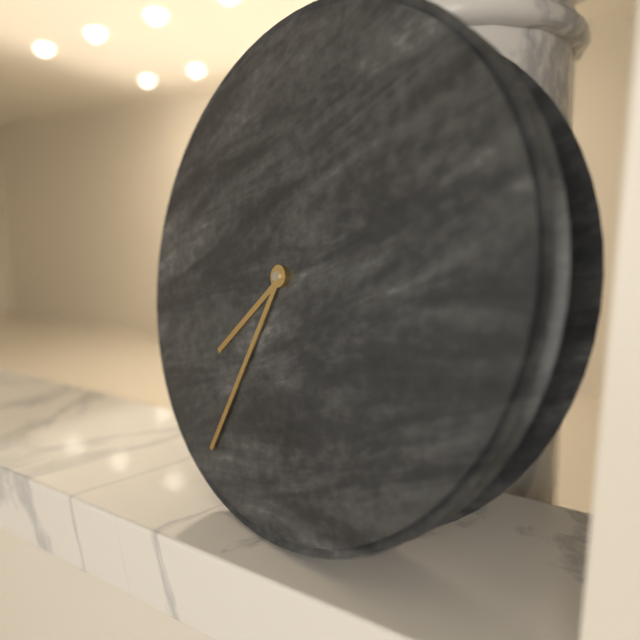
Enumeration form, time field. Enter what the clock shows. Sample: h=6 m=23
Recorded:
h=7 m=34
